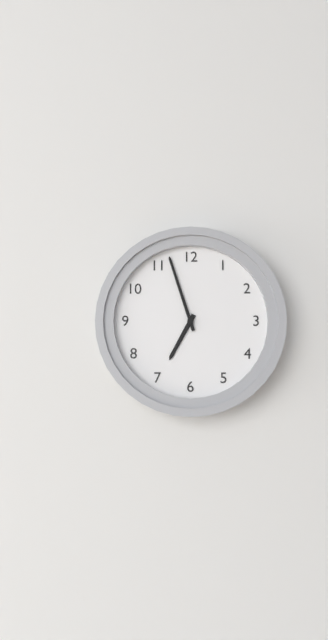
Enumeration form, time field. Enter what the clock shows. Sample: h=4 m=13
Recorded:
h=6 m=57
